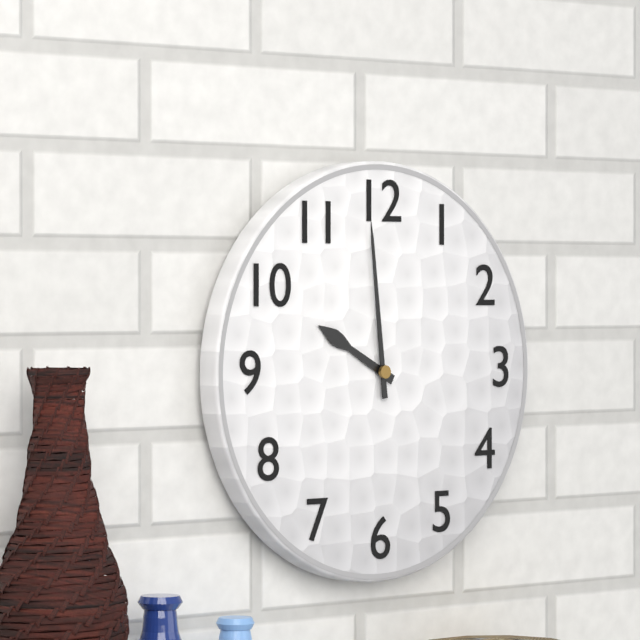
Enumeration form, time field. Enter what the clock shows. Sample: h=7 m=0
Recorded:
h=9 m=59
